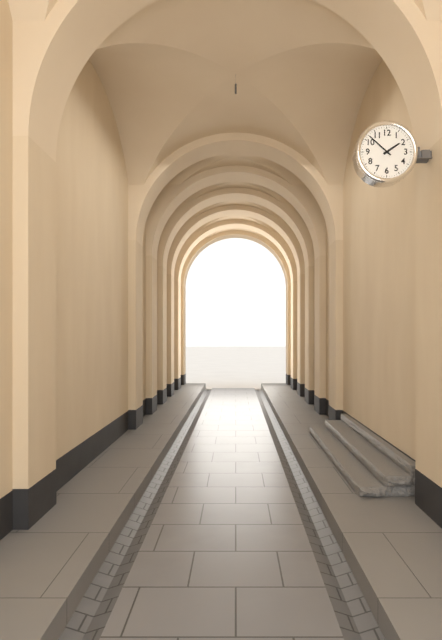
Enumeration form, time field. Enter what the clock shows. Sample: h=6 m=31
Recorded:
h=1 m=52
